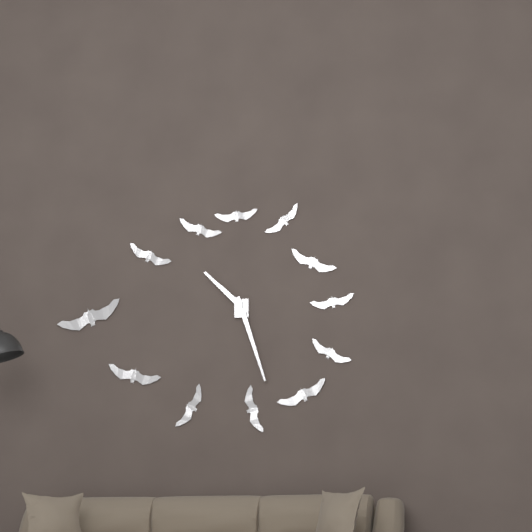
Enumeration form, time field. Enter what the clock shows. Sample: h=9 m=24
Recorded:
h=10 m=27
